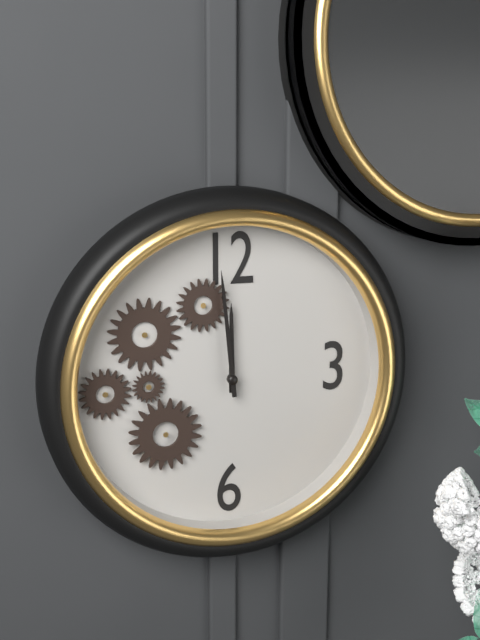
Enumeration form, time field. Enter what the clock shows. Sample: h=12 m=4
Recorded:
h=11 m=59
